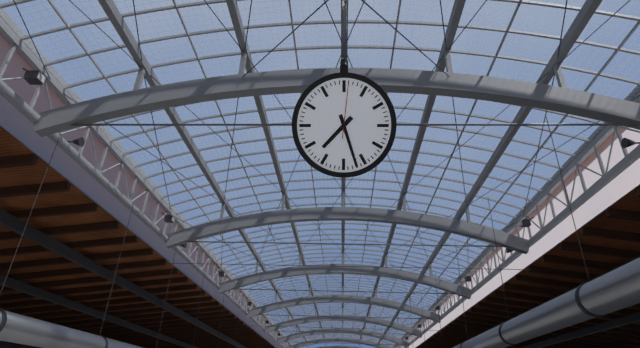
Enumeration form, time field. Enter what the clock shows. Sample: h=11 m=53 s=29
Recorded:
h=7 m=27 s=1
